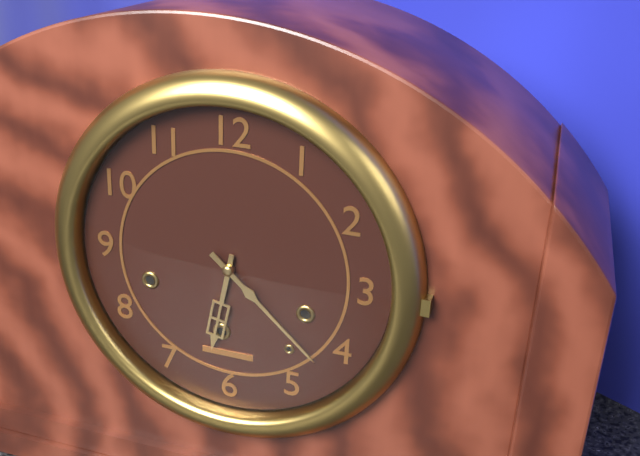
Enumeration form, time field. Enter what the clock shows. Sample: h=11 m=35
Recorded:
h=6 m=22
